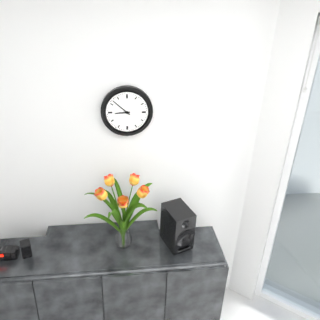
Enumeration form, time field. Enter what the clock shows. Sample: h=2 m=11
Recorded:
h=8 m=52
